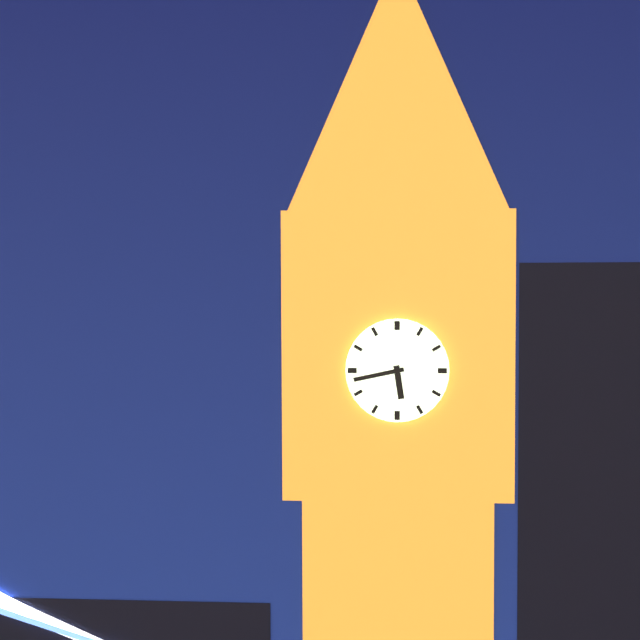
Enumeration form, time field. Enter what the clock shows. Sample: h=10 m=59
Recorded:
h=5 m=43
